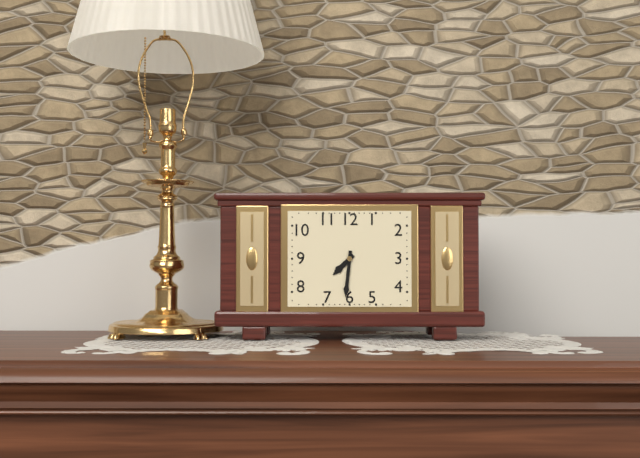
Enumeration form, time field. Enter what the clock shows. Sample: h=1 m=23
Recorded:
h=7 m=31
